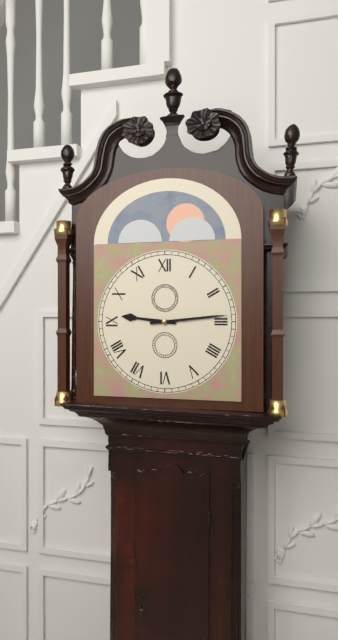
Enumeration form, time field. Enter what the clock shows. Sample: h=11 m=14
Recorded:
h=9 m=14
